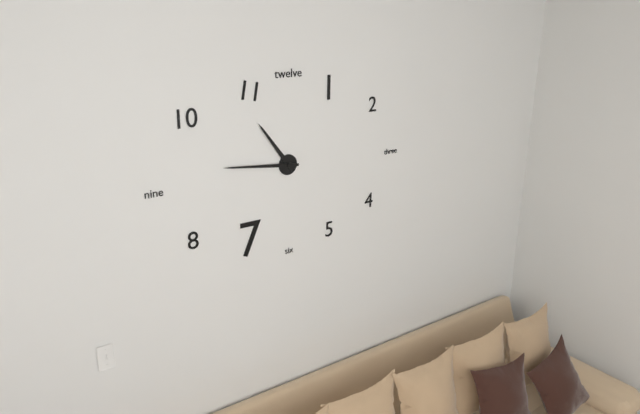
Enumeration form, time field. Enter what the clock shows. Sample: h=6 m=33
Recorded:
h=10 m=46
